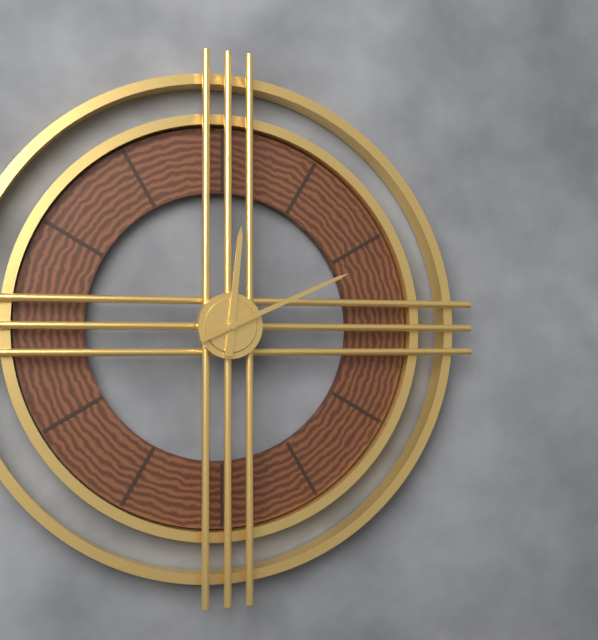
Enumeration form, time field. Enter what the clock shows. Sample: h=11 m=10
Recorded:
h=12 m=11
